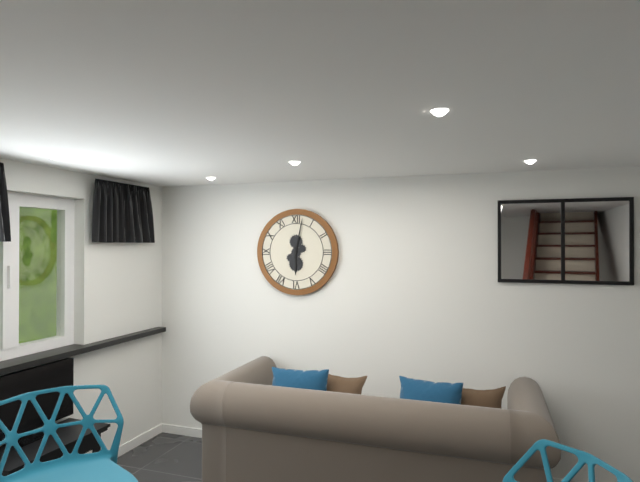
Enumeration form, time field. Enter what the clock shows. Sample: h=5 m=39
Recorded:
h=6 m=2
